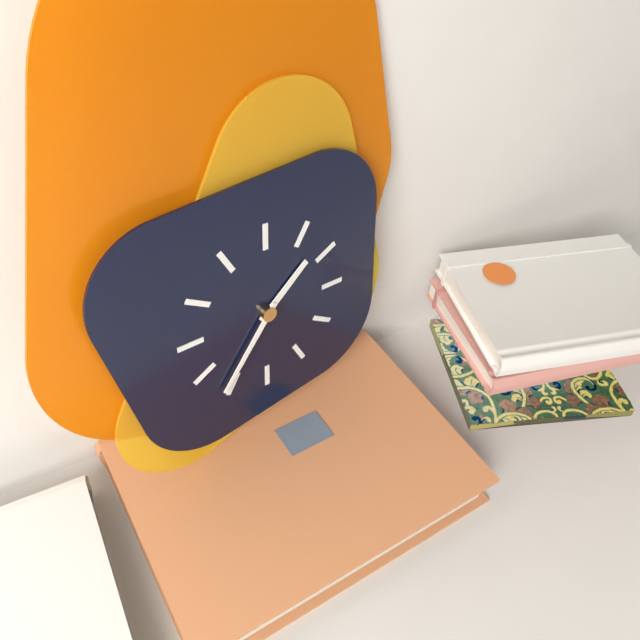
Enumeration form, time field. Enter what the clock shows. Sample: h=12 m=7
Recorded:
h=1 m=36
